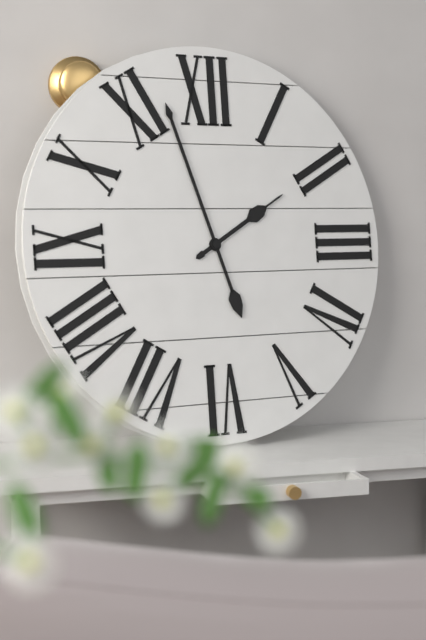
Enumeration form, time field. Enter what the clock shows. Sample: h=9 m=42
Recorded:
h=1 m=57
